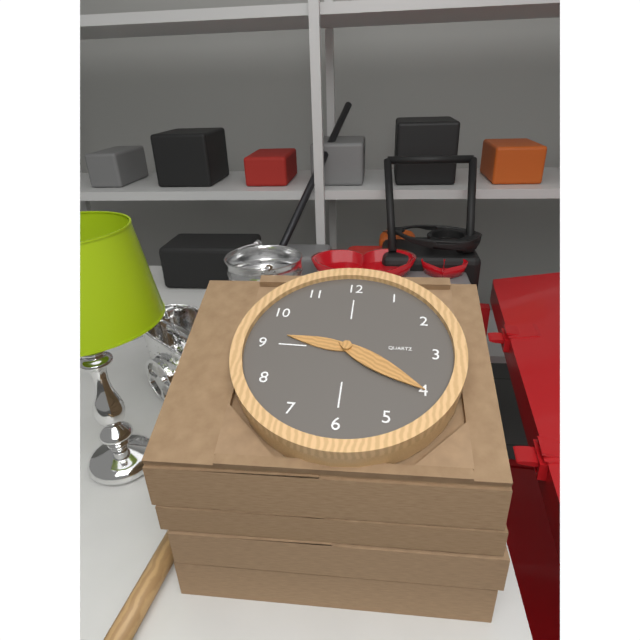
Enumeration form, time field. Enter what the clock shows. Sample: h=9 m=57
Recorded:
h=9 m=20
